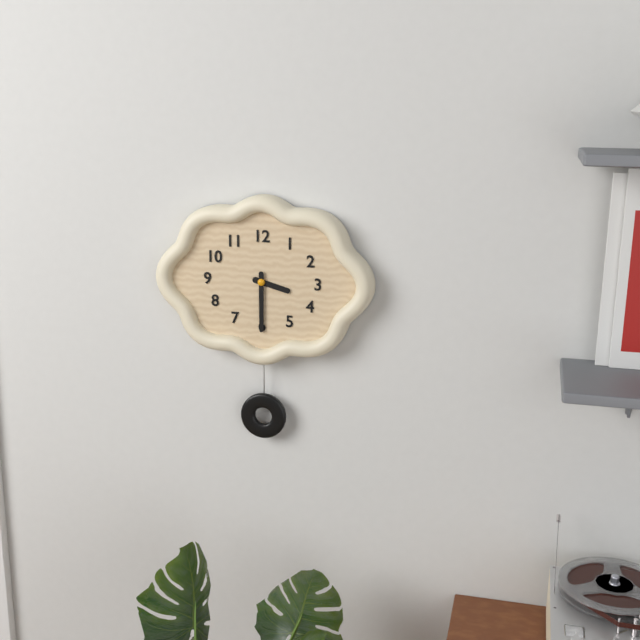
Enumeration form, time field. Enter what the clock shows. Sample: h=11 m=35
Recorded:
h=3 m=30
